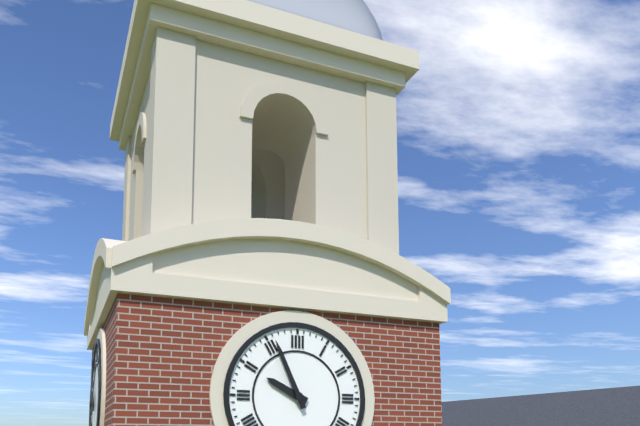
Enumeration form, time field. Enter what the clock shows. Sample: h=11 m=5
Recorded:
h=9 m=56
